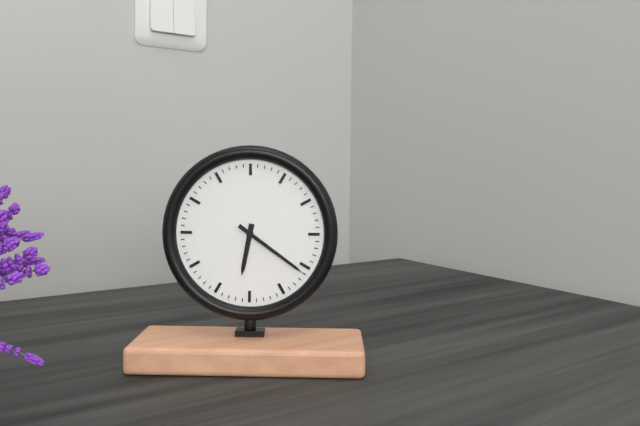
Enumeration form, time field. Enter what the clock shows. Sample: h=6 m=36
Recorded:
h=6 m=21
